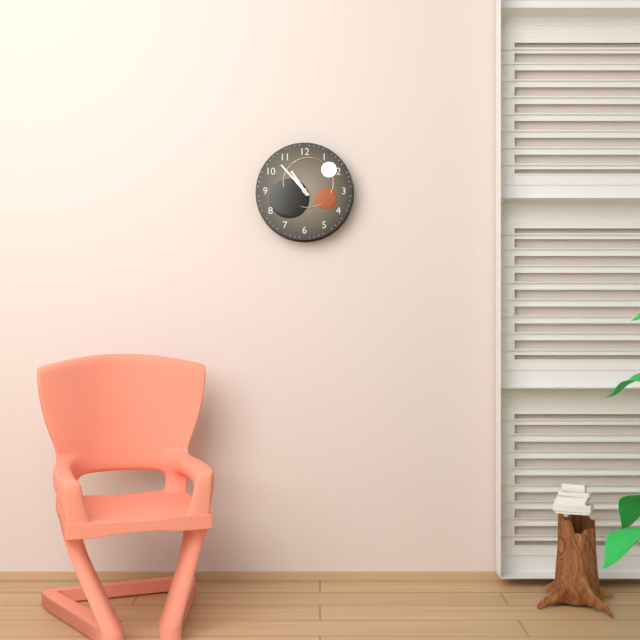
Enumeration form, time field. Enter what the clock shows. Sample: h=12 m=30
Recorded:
h=10 m=53
